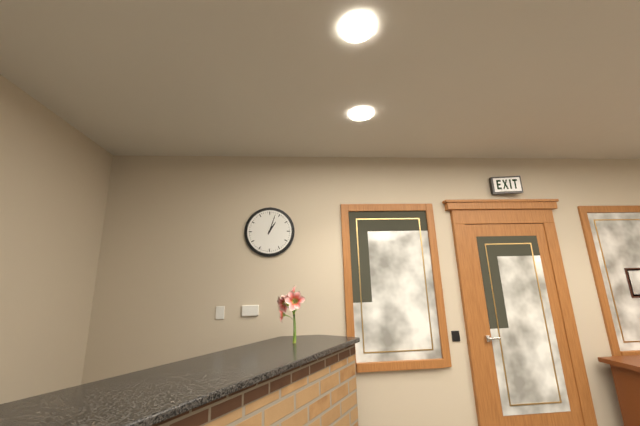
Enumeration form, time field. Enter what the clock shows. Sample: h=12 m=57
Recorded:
h=1 m=3
